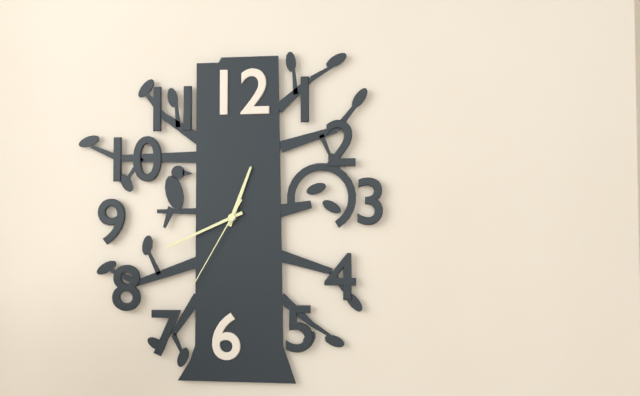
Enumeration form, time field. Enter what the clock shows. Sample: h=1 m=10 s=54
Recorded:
h=12 m=41 s=35
